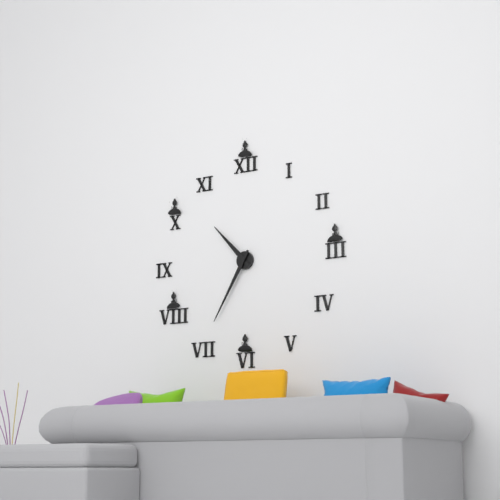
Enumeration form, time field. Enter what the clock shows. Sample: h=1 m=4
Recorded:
h=10 m=35
